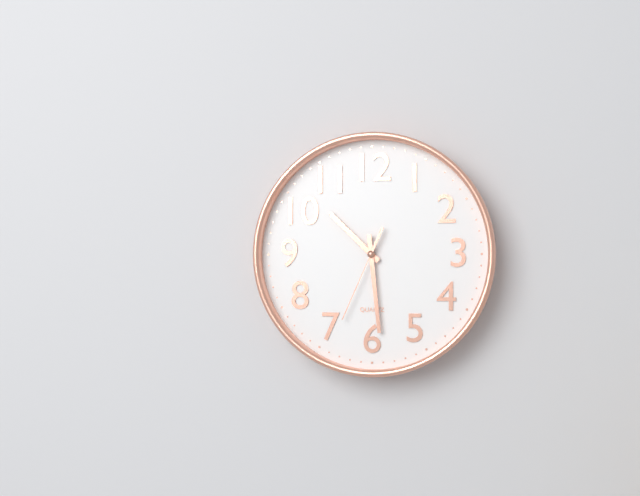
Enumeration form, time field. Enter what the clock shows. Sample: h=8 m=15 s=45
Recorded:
h=10 m=29 s=34
